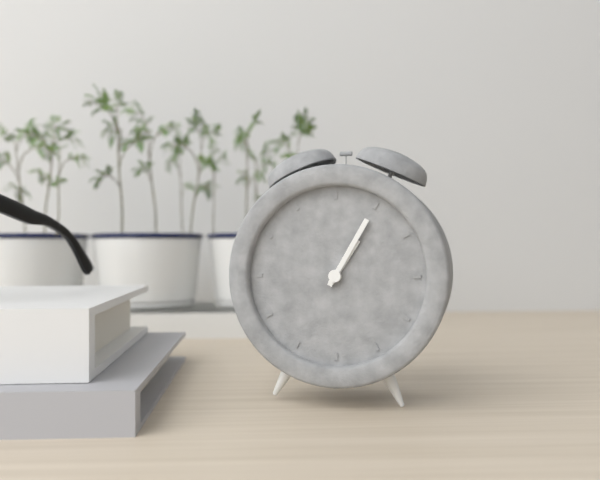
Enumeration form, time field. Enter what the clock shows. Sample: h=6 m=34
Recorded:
h=1 m=5
